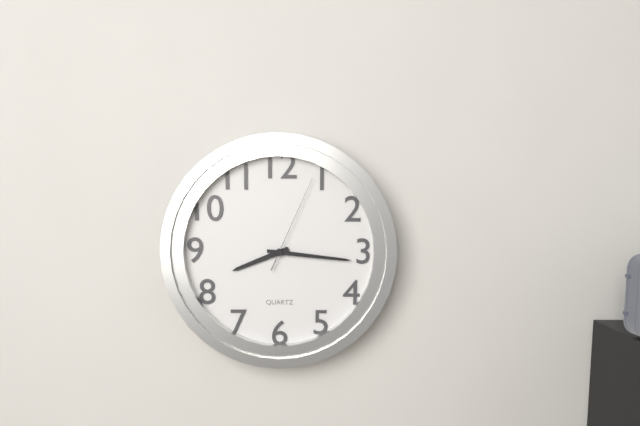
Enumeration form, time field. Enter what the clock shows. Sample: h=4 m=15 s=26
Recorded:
h=8 m=16 s=4
